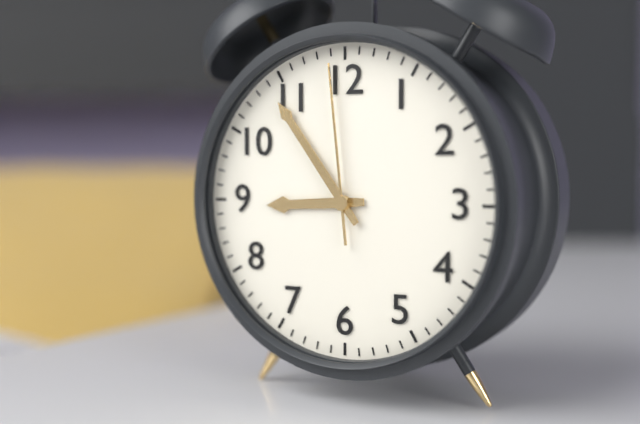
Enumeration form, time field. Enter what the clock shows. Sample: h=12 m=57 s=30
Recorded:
h=8 m=54 s=59
